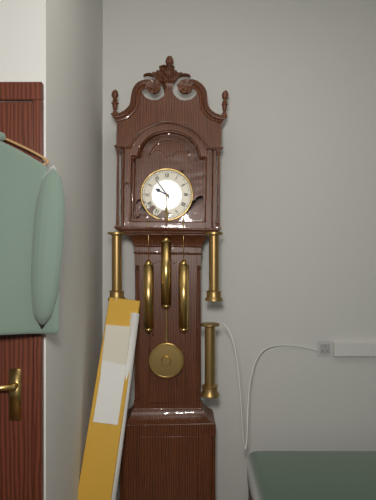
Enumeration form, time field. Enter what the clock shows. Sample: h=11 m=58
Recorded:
h=9 m=54
